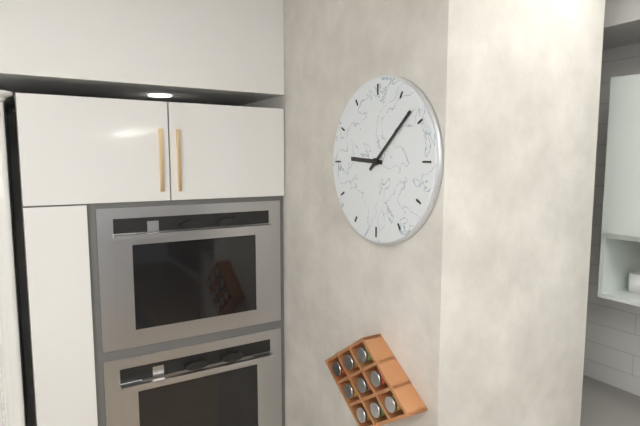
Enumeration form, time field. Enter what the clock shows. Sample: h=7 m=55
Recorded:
h=9 m=8
